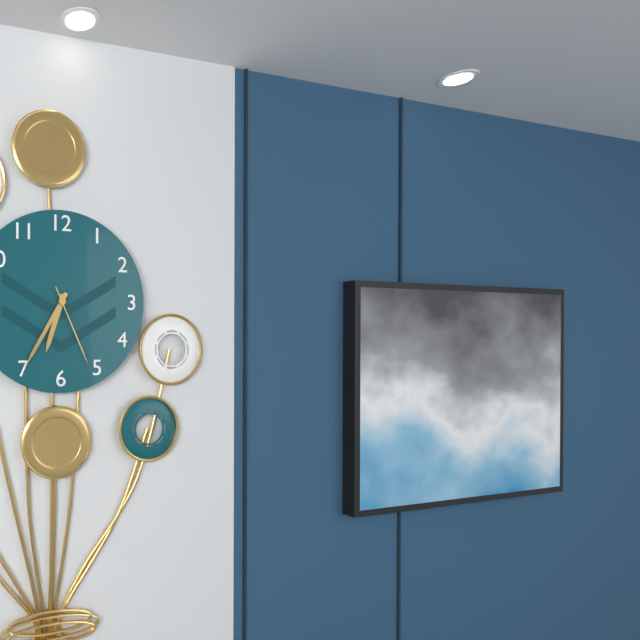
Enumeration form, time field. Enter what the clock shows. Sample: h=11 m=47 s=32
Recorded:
h=6 m=35 s=26
